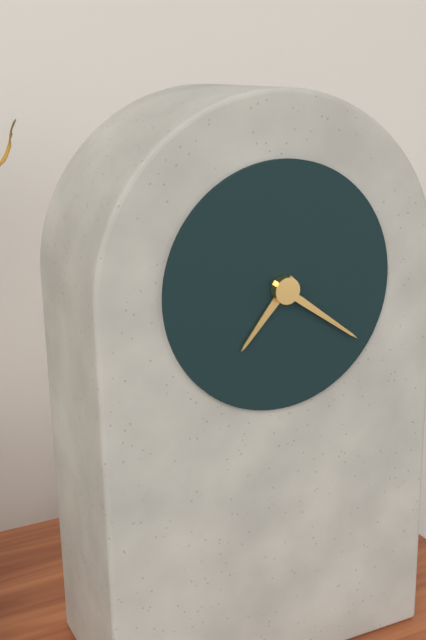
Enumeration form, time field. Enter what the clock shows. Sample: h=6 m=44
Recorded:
h=7 m=21
